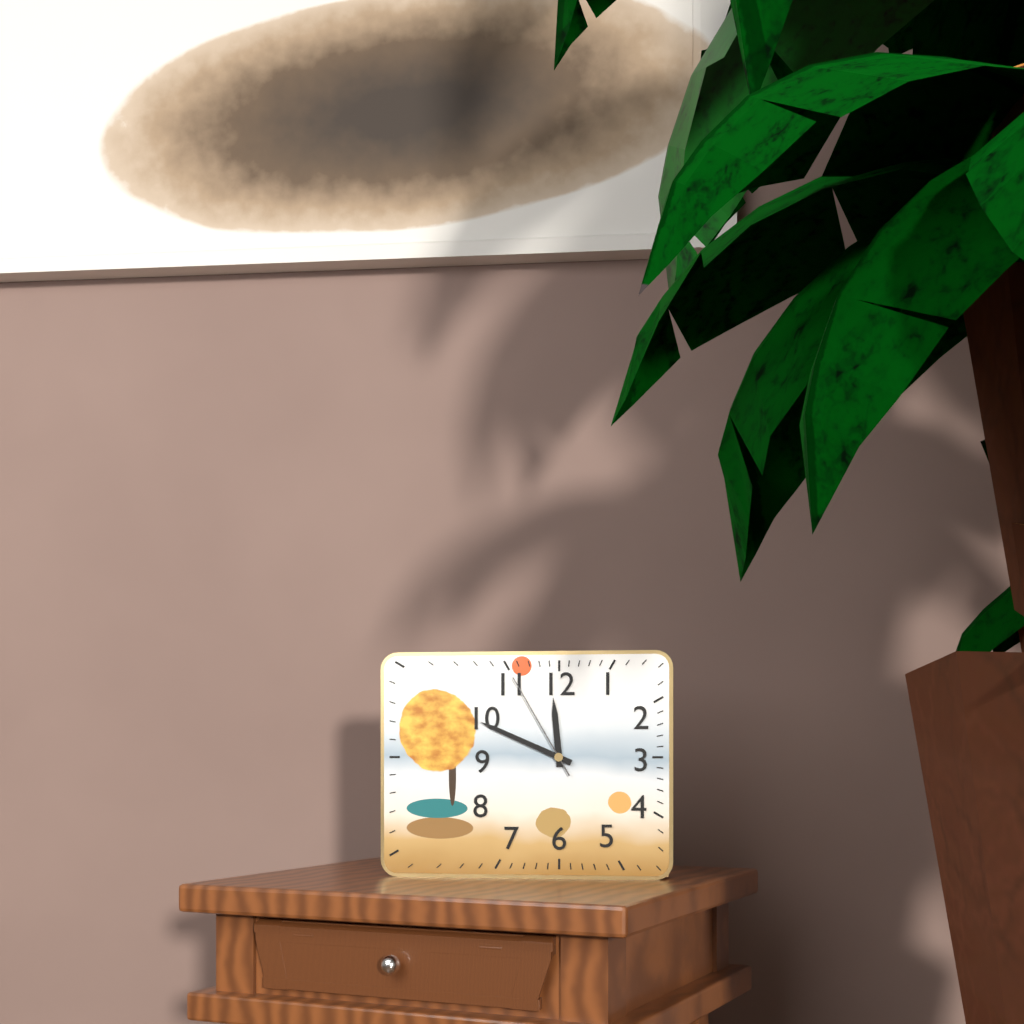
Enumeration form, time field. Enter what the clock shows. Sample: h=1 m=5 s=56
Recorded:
h=11 m=49 s=55
